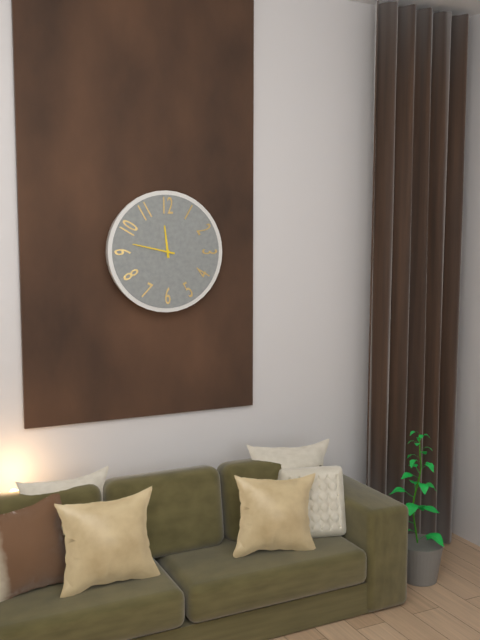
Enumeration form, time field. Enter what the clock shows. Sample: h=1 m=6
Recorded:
h=11 m=47
